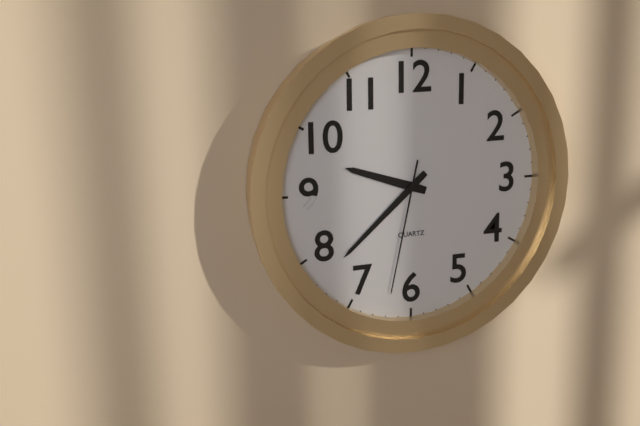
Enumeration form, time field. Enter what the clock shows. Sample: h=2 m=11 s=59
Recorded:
h=9 m=38 s=32
